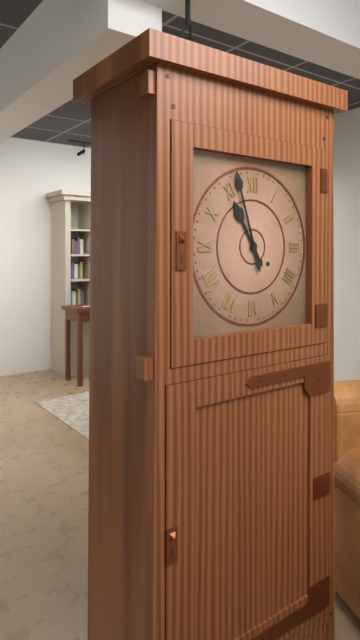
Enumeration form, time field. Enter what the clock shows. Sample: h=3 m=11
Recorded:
h=10 m=57
